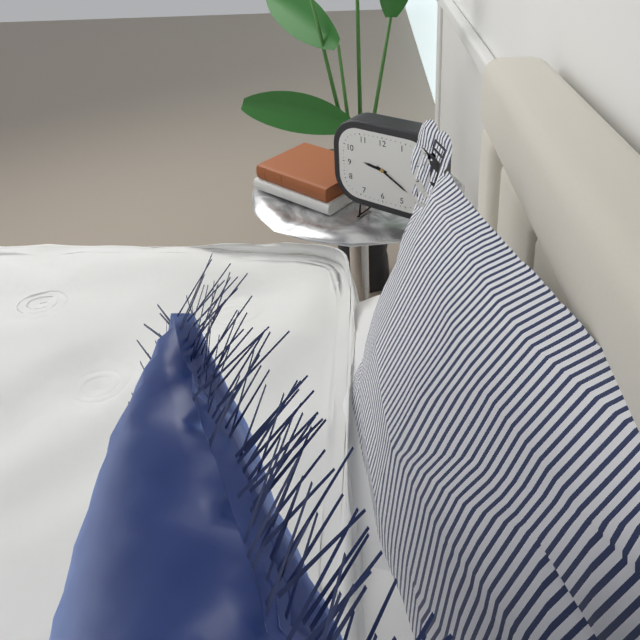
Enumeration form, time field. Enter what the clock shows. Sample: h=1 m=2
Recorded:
h=9 m=20
